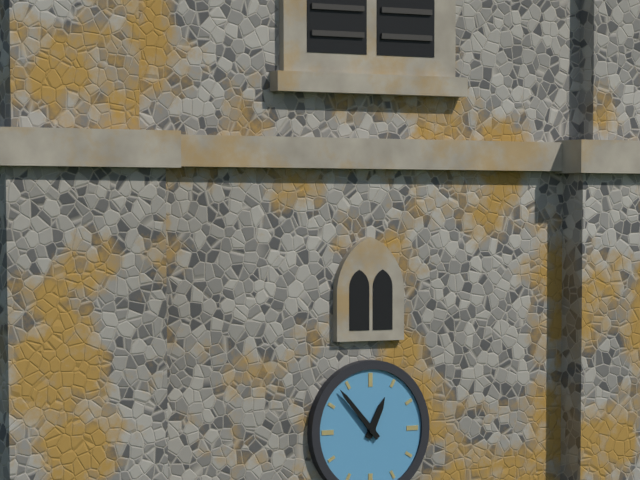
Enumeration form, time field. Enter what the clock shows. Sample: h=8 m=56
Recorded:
h=12 m=53
